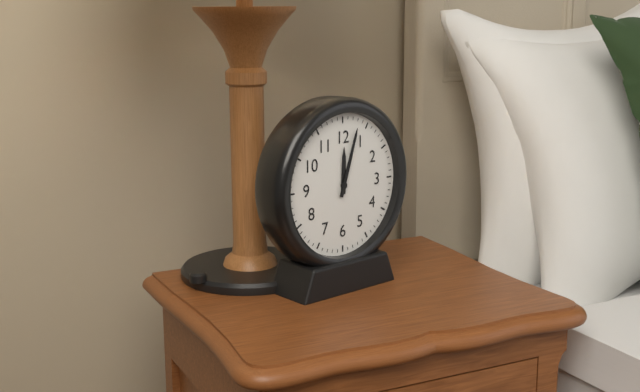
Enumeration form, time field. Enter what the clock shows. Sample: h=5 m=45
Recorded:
h=12 m=3
